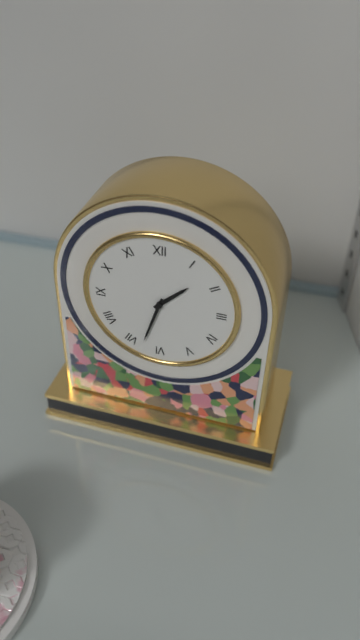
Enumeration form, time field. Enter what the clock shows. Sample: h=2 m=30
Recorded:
h=1 m=33
